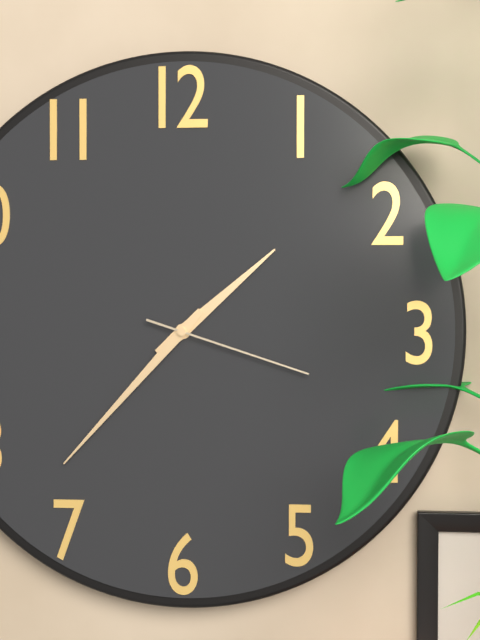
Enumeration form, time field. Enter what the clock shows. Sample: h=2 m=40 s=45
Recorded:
h=1 m=37 s=18
